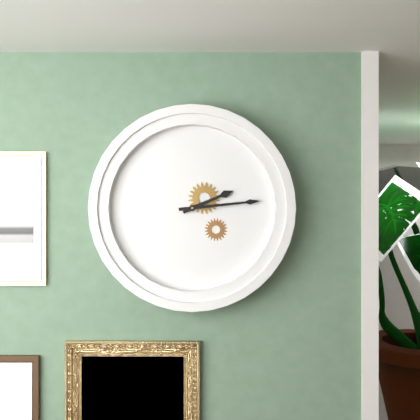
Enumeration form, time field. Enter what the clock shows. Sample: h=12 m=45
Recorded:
h=2 m=14
